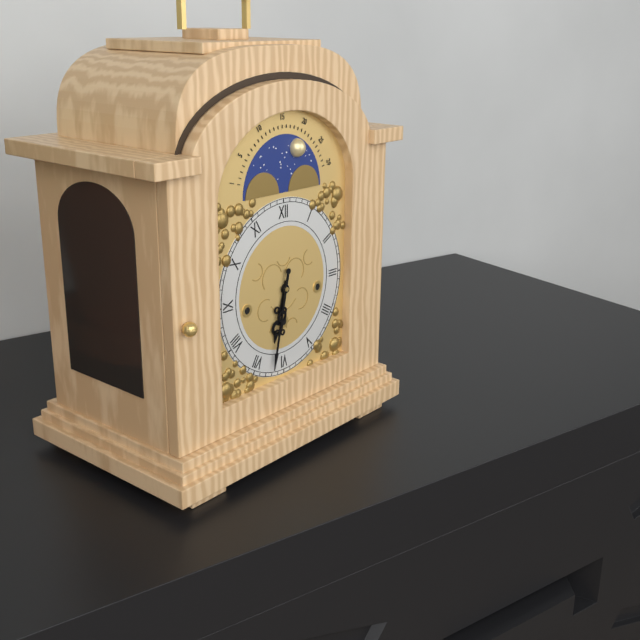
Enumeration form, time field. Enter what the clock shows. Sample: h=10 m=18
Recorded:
h=6 m=32
